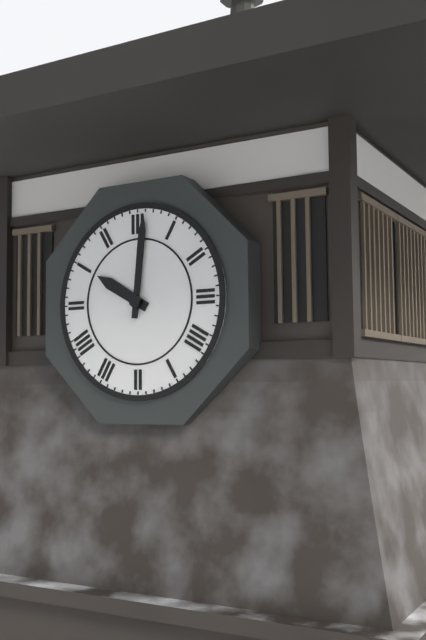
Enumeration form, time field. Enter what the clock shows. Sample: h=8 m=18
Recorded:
h=10 m=1
